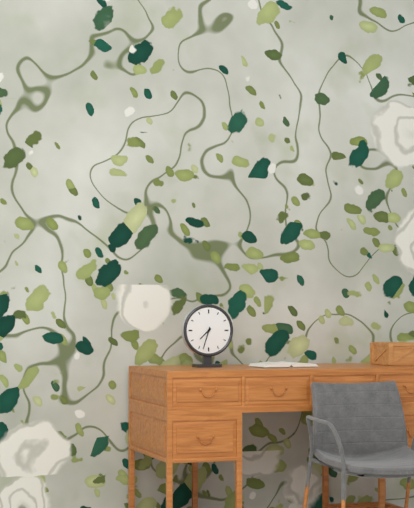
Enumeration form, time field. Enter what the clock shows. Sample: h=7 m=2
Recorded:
h=7 m=33
